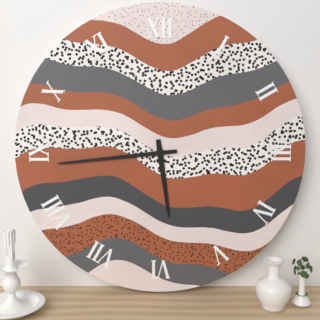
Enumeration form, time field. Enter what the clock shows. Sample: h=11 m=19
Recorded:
h=5 m=44
